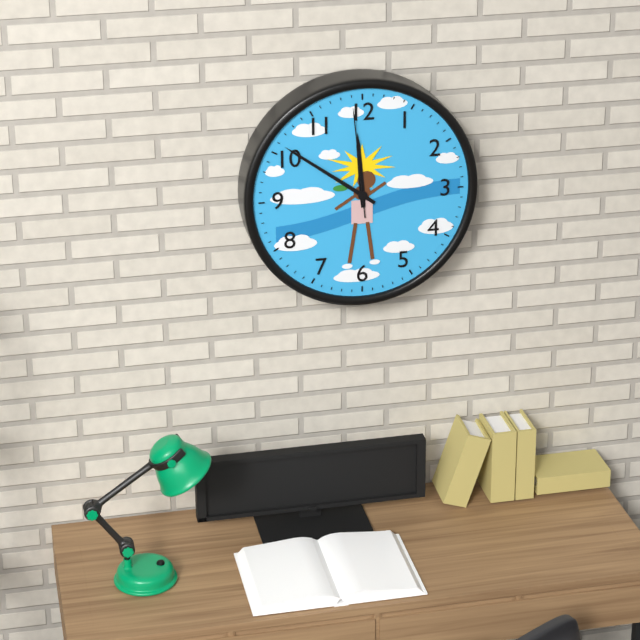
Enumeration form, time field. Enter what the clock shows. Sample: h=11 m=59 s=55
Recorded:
h=11 m=51 s=59
